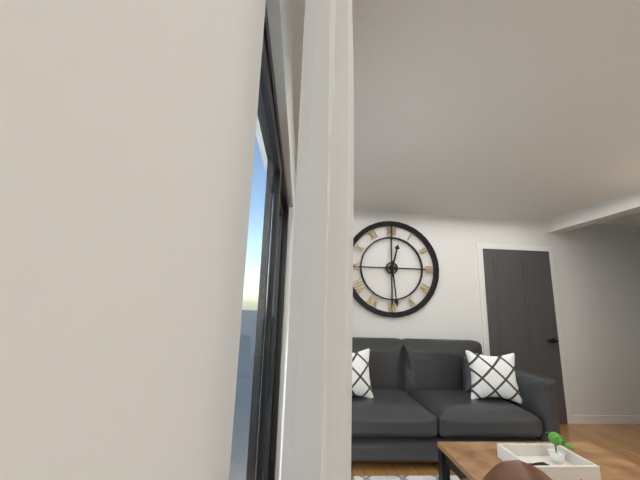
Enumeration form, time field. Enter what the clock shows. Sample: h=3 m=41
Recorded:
h=12 m=29
